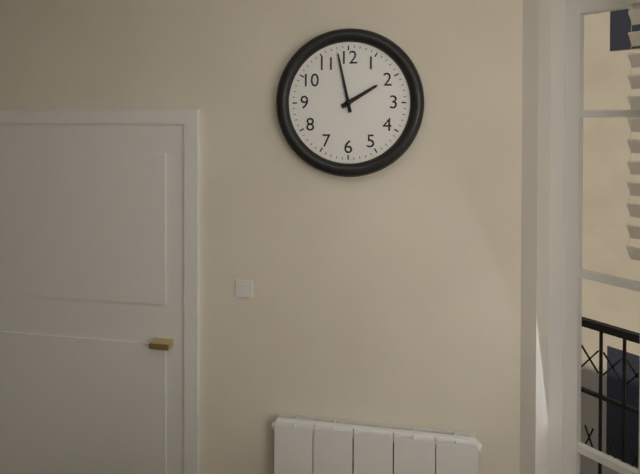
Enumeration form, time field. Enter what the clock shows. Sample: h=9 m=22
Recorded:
h=1 m=58
